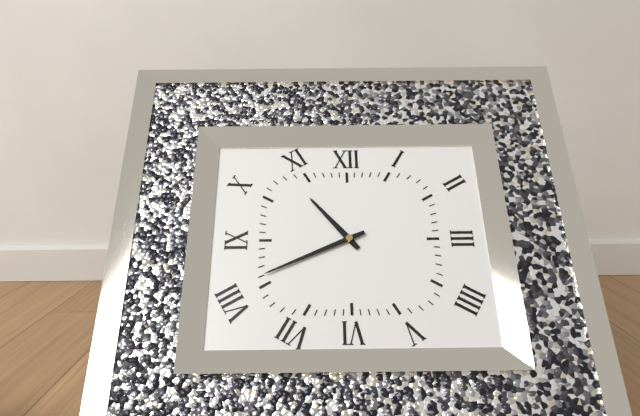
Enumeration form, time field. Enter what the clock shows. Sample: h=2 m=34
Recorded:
h=10 m=41
